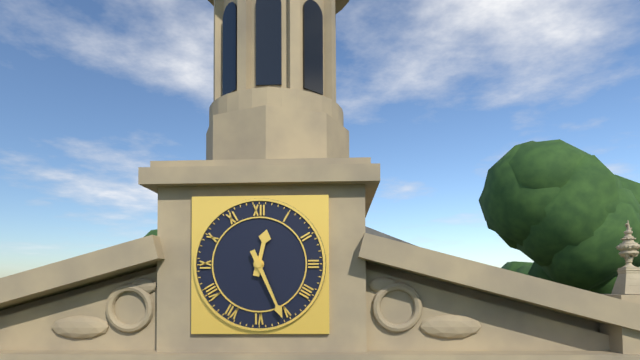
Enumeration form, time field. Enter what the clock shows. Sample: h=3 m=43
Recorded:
h=12 m=26
